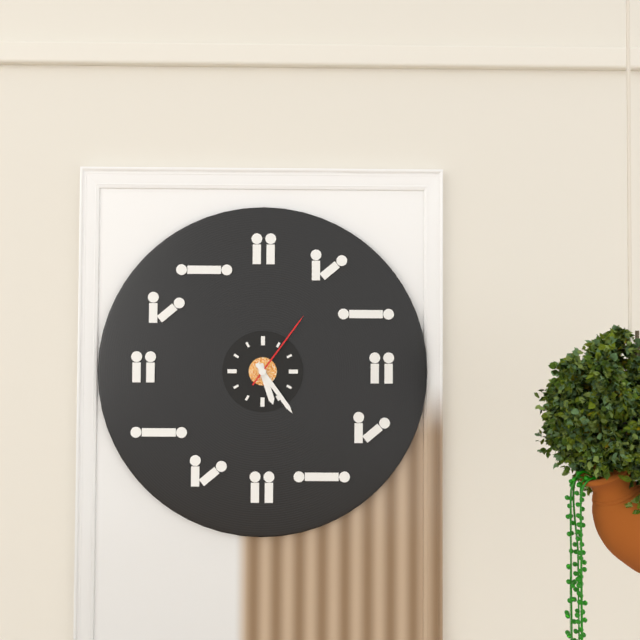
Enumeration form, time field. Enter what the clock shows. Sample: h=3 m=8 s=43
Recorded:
h=5 m=24 s=6
